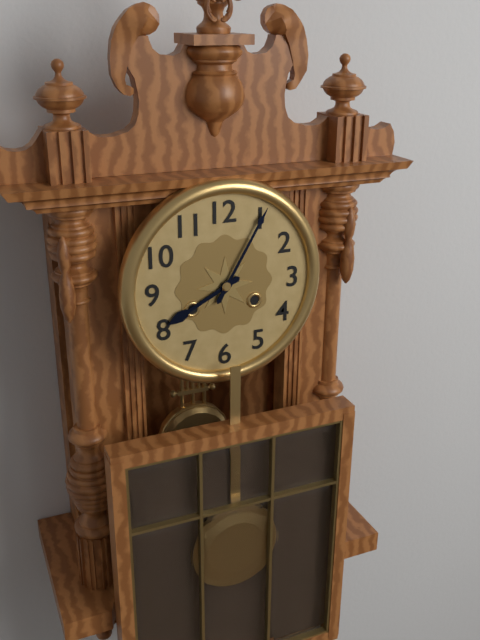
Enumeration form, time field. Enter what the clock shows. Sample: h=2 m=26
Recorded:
h=8 m=5
